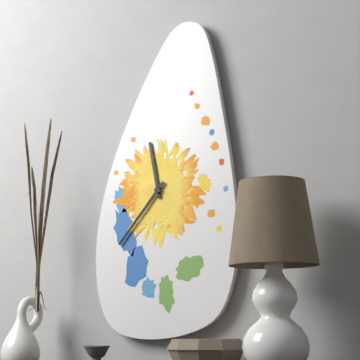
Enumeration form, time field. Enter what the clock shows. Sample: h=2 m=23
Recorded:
h=11 m=37
